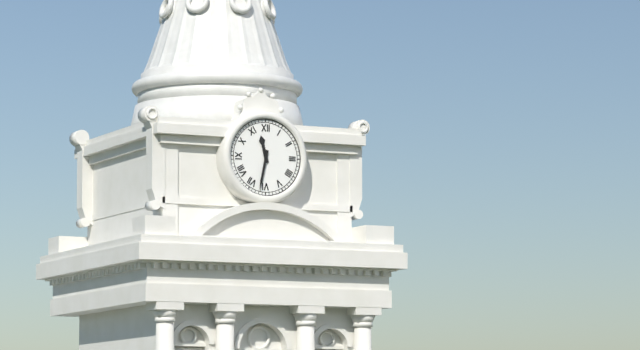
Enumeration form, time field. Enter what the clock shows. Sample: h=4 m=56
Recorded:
h=11 m=32
